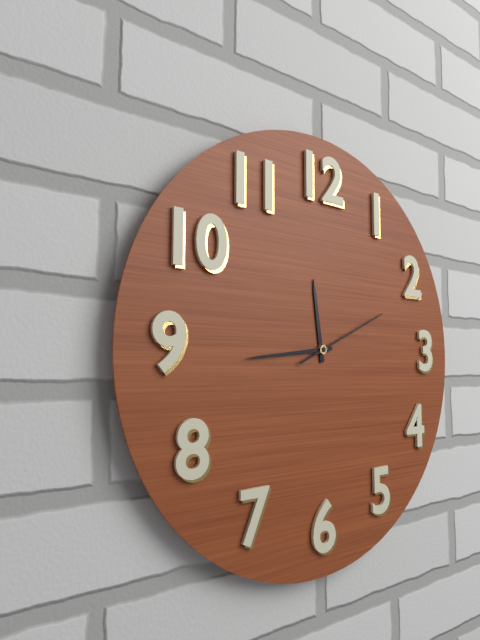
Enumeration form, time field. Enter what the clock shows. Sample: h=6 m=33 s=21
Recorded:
h=11 m=44 s=11
